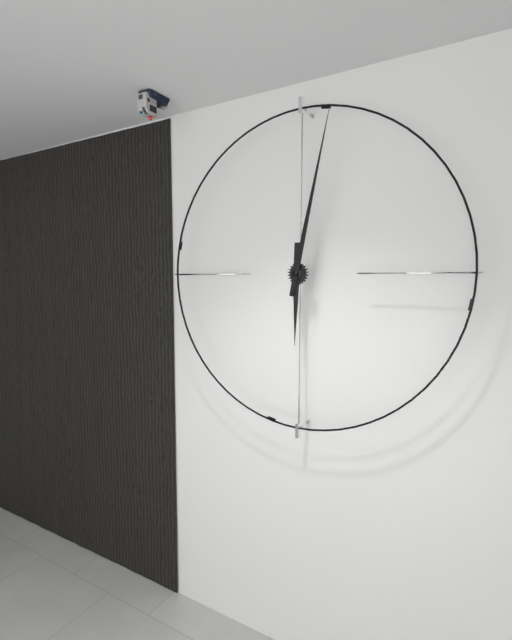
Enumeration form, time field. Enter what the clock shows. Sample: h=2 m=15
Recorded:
h=6 m=2
